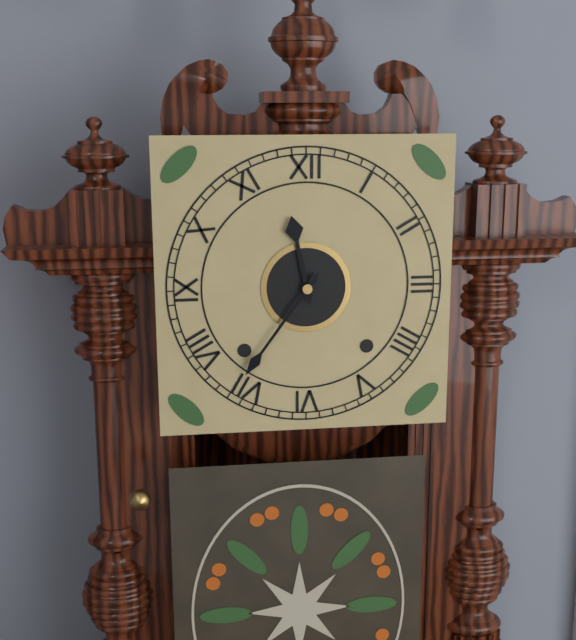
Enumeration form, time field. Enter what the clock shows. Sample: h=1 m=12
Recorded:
h=11 m=36
